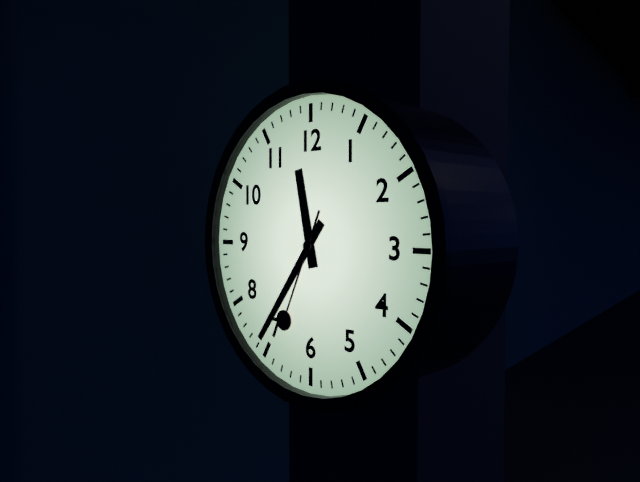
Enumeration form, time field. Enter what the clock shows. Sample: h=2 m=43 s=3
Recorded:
h=11 m=36 s=34
